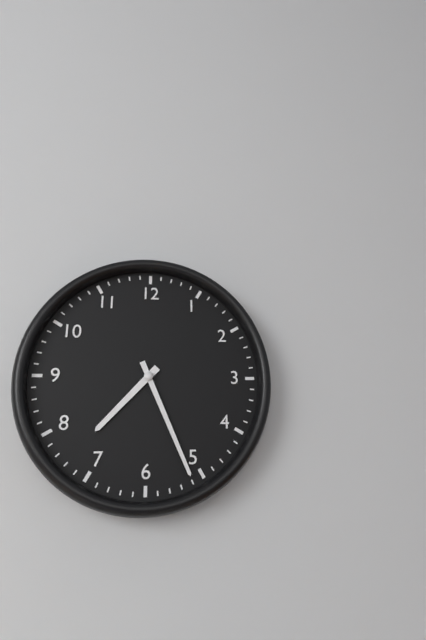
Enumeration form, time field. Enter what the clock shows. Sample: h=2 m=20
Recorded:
h=7 m=26
